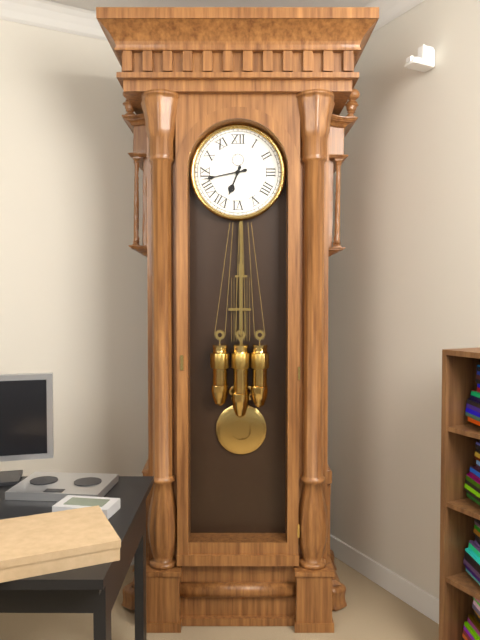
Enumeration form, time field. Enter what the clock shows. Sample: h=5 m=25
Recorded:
h=6 m=43
